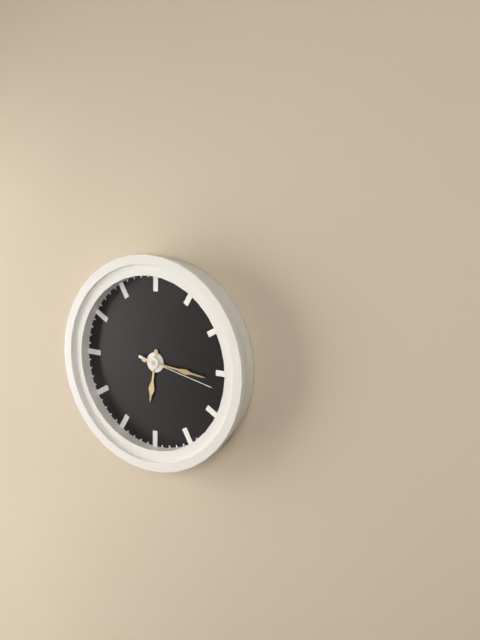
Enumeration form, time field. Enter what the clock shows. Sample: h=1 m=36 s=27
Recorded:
h=6 m=16 s=17
